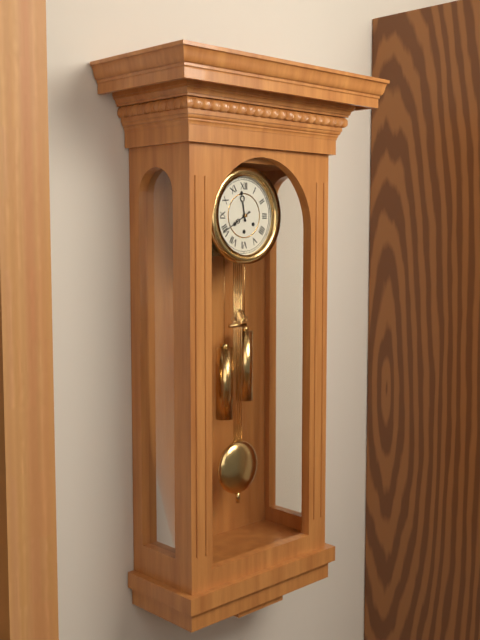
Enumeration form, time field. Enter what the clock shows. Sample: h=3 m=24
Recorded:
h=11 m=40
